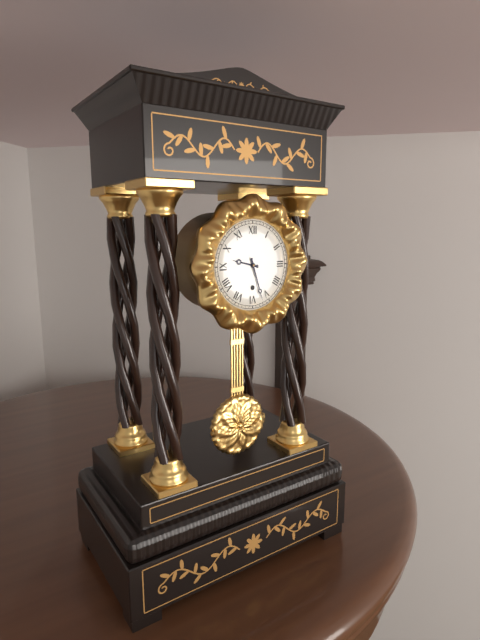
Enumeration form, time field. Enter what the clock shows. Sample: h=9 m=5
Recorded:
h=9 m=27
